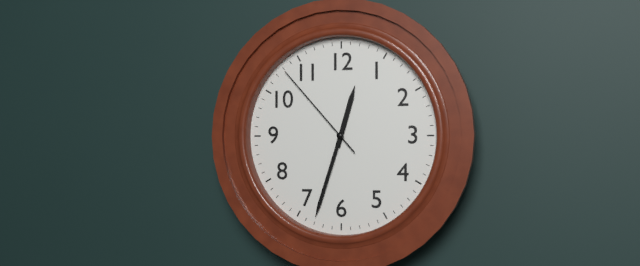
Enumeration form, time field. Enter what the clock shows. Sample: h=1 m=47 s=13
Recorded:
h=12 m=33 s=53
